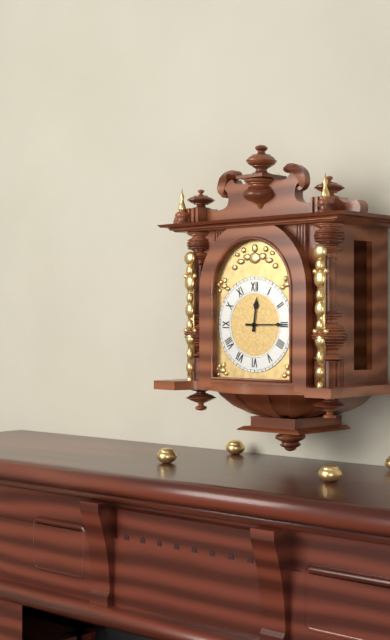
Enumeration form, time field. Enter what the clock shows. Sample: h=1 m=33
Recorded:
h=12 m=15
